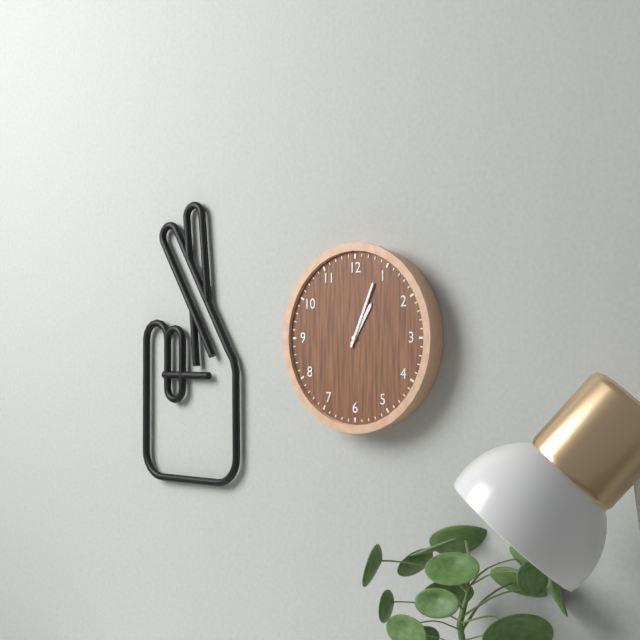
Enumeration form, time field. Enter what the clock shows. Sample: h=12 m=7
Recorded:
h=1 m=4
